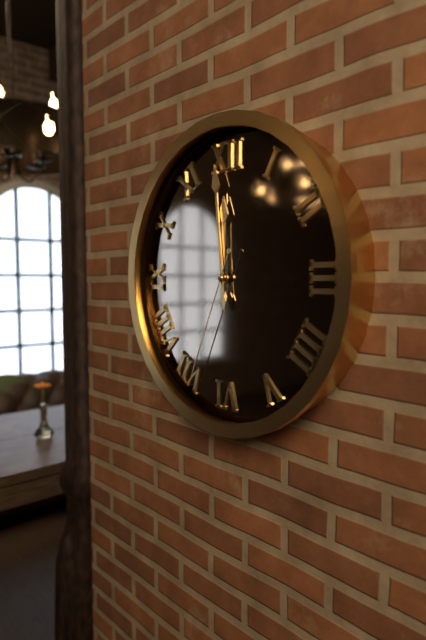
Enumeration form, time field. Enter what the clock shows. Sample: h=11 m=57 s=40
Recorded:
h=11 m=59 s=34
